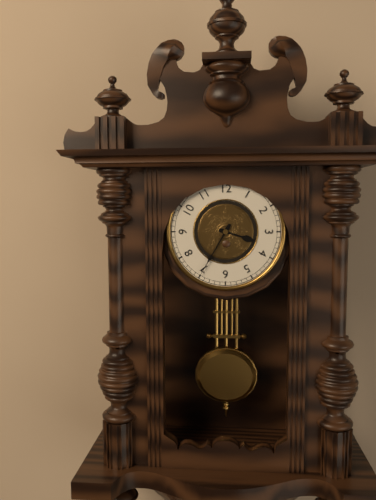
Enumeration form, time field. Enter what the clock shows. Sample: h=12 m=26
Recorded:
h=3 m=35
